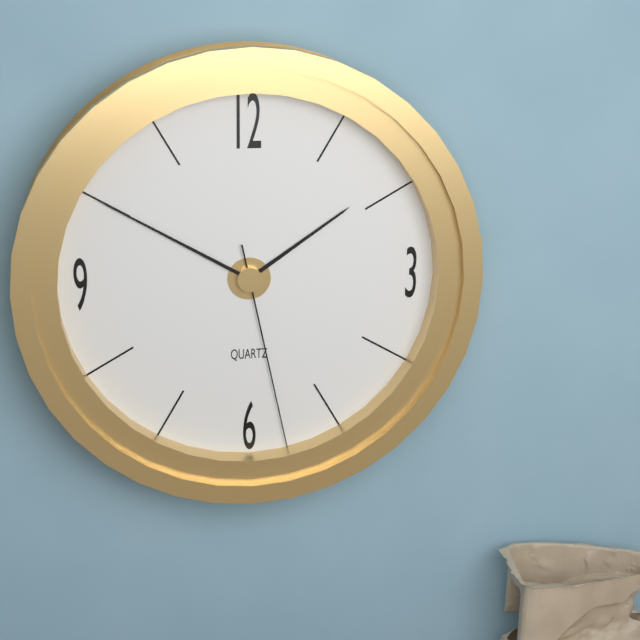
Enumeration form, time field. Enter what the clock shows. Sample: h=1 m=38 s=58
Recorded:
h=1 m=50 s=28
